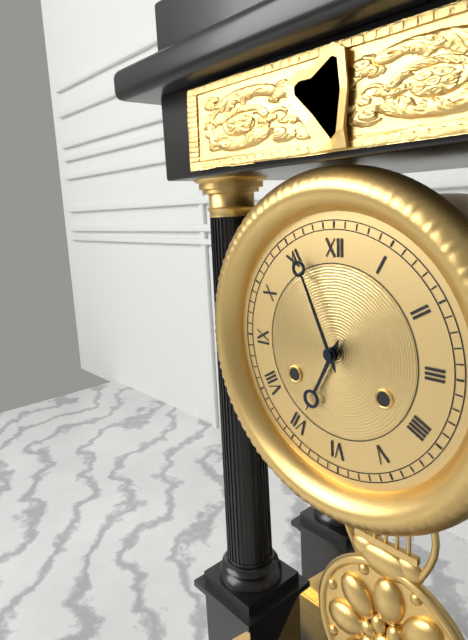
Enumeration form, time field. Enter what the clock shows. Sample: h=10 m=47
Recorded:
h=6 m=56
